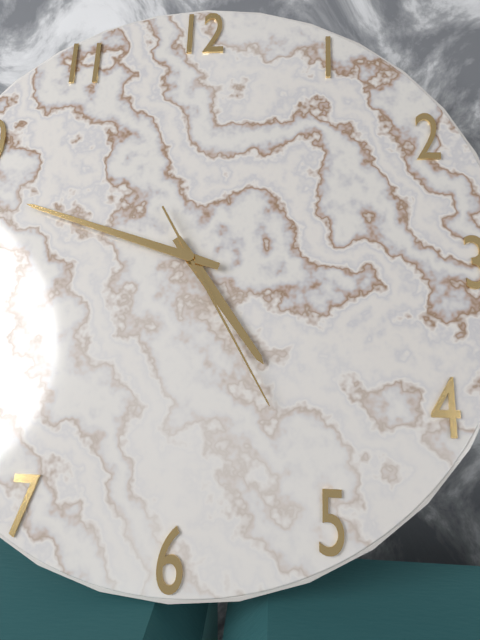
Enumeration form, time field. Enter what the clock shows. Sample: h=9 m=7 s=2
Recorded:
h=4 m=48 s=25
